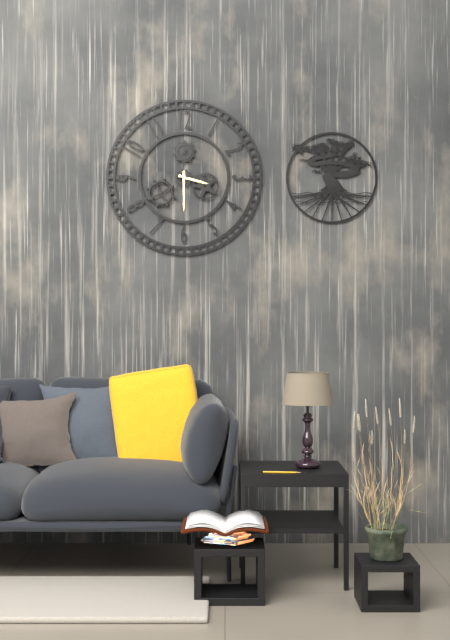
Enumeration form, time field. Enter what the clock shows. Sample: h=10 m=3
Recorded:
h=3 m=30
